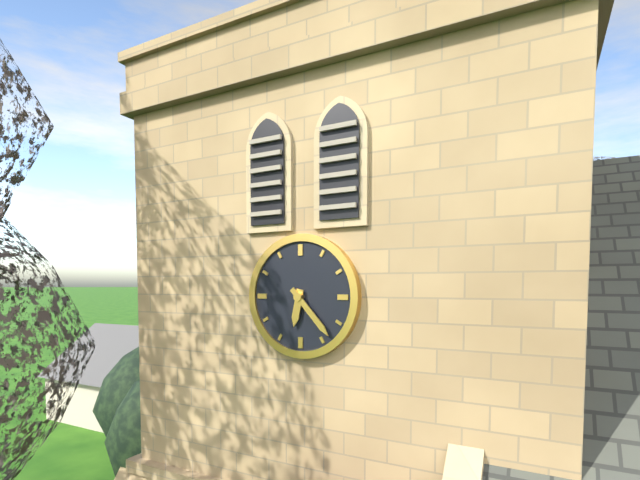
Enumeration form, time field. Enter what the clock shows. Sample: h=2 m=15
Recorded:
h=6 m=23
